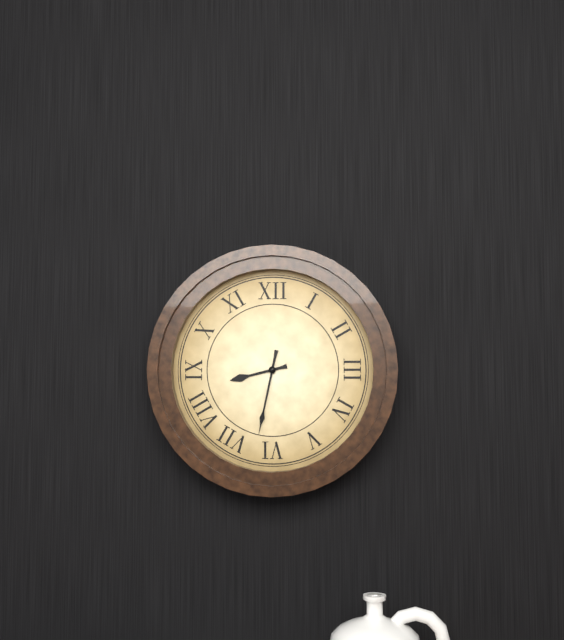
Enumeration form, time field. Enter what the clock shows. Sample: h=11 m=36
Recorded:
h=8 m=32
